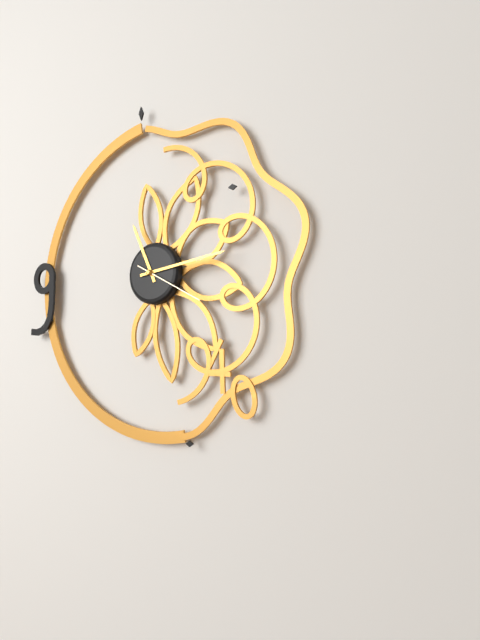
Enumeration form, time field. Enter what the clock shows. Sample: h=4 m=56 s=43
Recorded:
h=11 m=14 s=20
